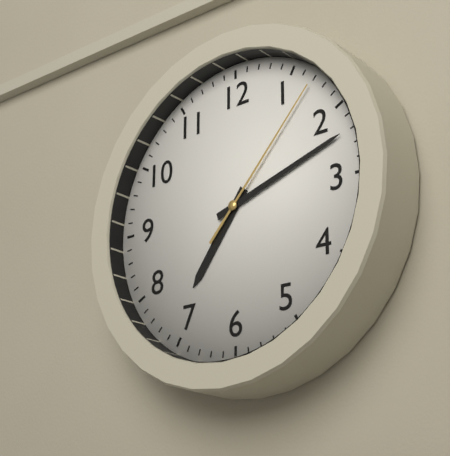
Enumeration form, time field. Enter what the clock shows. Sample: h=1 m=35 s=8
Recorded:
h=7 m=12 s=7
